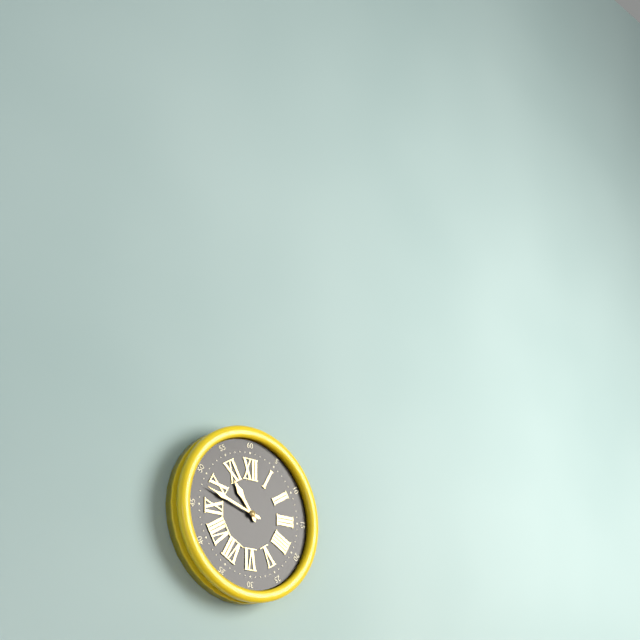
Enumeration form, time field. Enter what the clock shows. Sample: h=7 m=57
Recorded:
h=10 m=48
